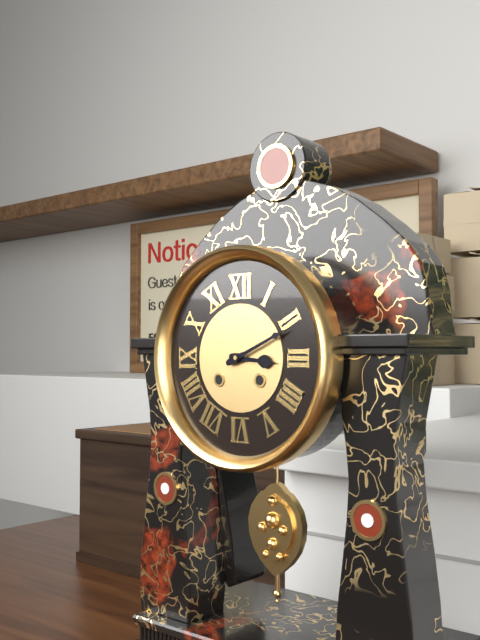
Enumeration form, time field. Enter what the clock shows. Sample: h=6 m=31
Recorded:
h=3 m=11
